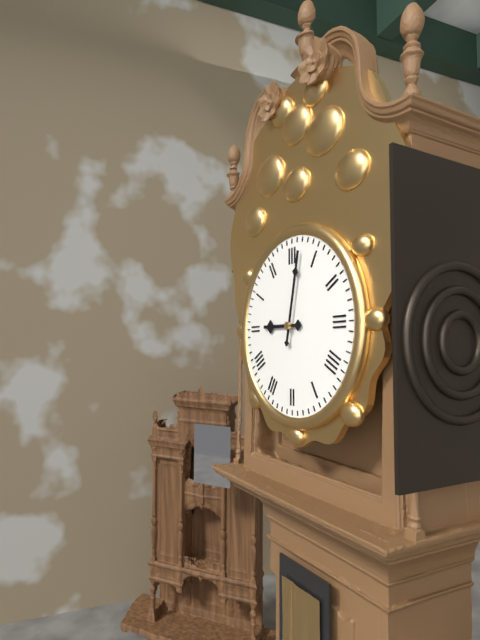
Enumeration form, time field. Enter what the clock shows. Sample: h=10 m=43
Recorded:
h=9 m=2
